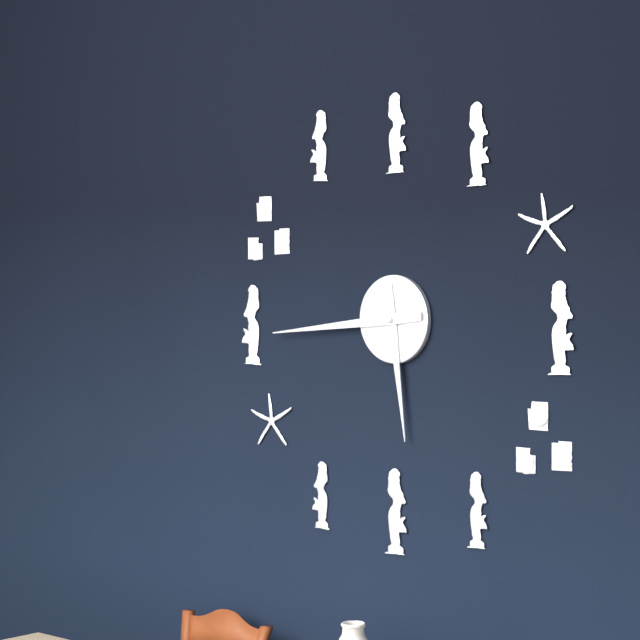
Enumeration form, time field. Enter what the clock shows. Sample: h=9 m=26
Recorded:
h=5 m=44
